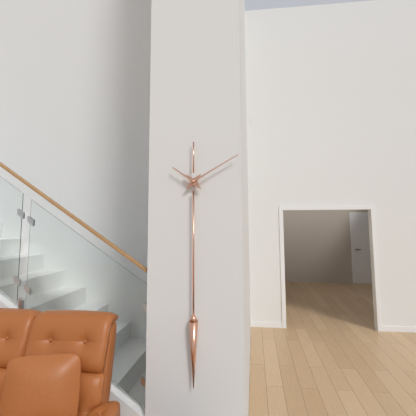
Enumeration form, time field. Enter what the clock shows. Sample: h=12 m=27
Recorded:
h=10 m=10
